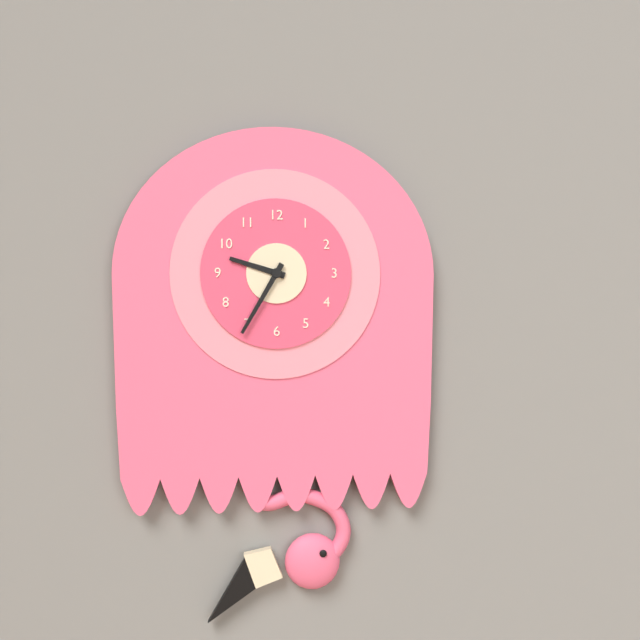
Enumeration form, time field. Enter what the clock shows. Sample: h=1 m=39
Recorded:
h=9 m=35
